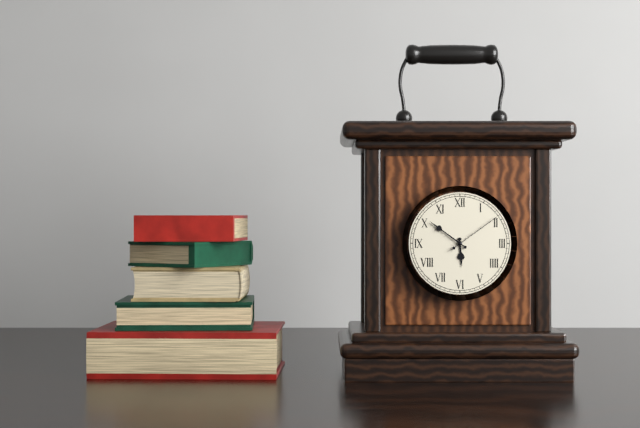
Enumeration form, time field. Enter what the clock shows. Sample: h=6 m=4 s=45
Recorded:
h=5 m=51 s=9
